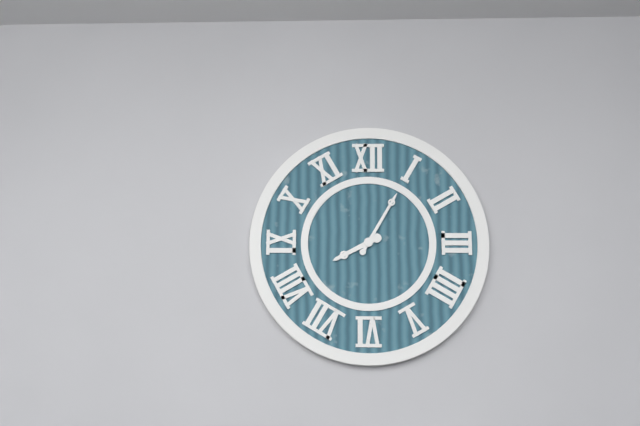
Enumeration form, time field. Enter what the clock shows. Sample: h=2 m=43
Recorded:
h=8 m=5
